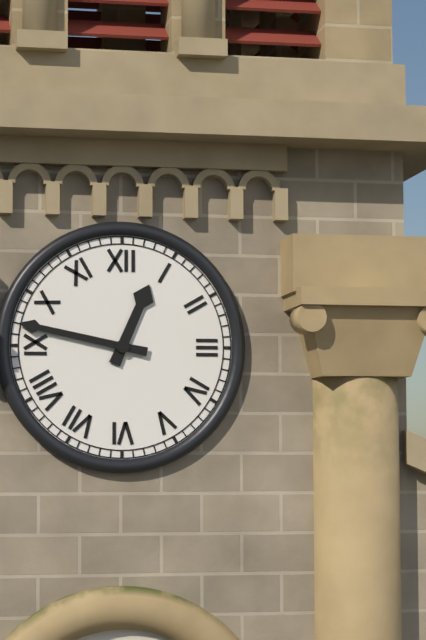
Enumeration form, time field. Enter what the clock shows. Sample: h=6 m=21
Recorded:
h=12 m=47
